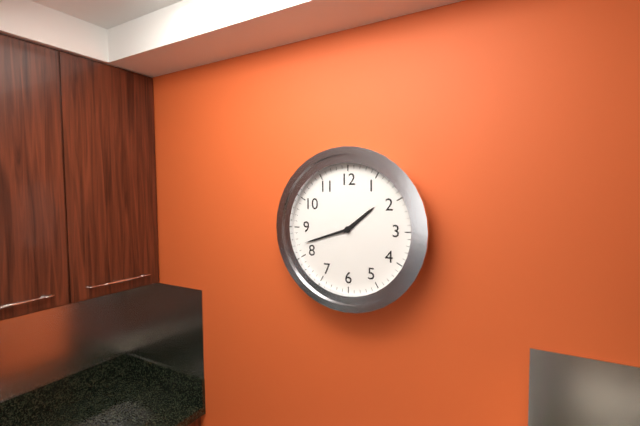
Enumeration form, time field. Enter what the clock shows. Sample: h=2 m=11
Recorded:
h=1 m=42
